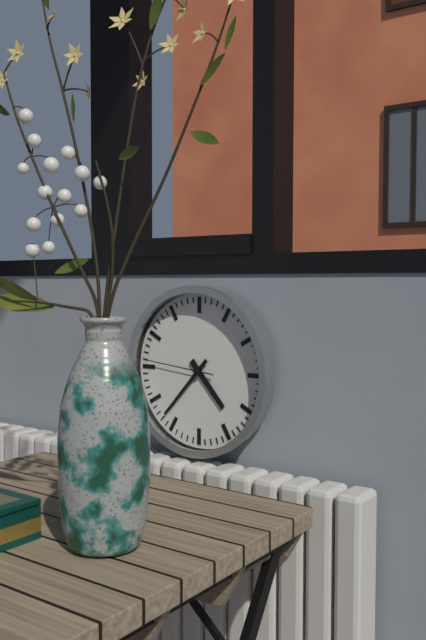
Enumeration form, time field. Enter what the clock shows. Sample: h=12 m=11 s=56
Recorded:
h=4 m=37 s=46
